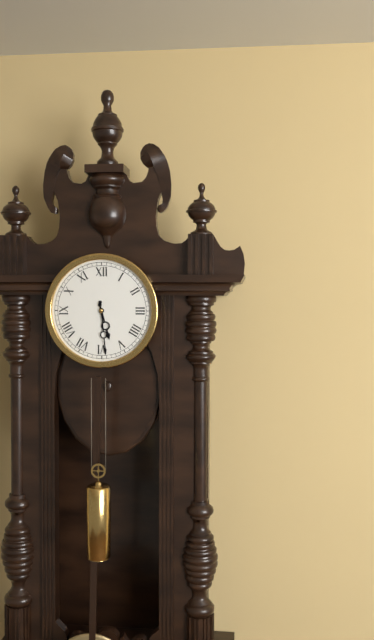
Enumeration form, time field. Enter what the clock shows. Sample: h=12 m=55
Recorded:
h=5 m=29
